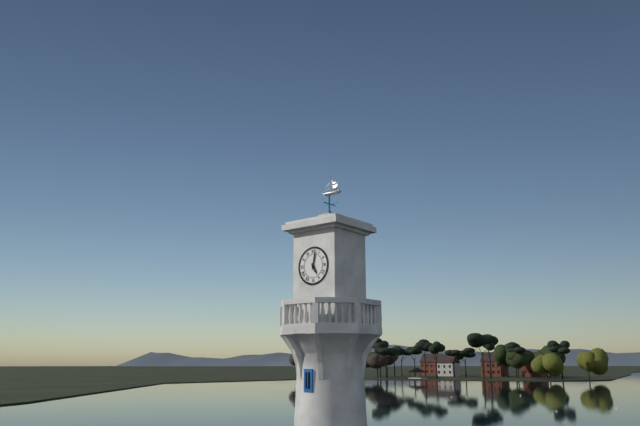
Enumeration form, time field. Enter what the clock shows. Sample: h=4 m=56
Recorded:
h=5 m=2
